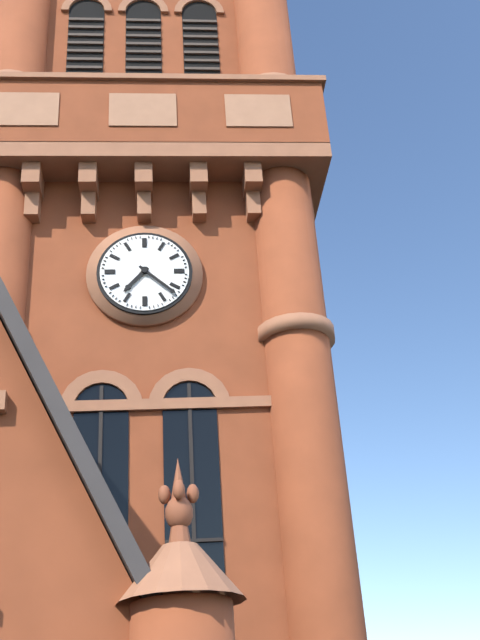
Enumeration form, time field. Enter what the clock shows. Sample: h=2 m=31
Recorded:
h=7 m=22
